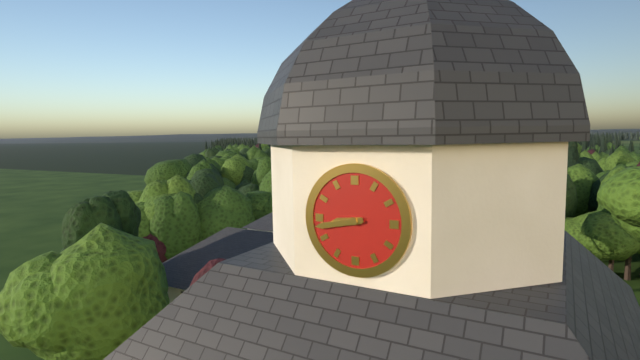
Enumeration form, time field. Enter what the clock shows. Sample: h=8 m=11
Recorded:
h=8 m=43
